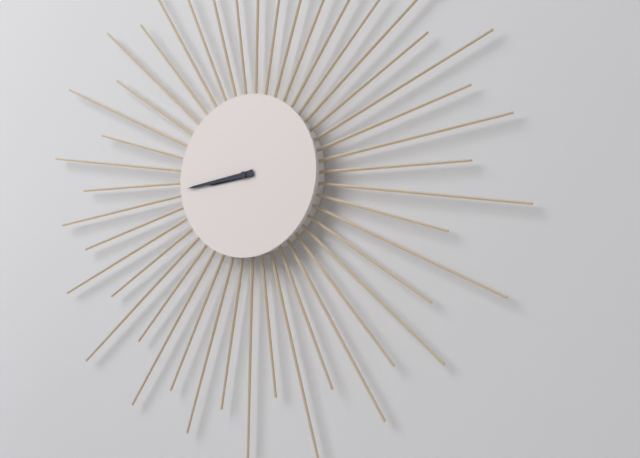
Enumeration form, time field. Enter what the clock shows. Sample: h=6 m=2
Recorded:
h=8 m=44
